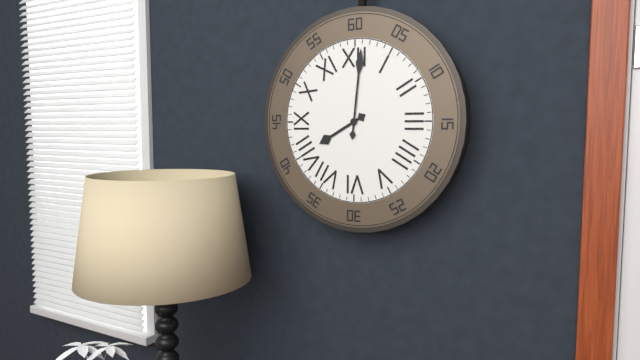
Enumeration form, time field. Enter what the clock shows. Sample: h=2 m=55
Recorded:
h=8 m=1
